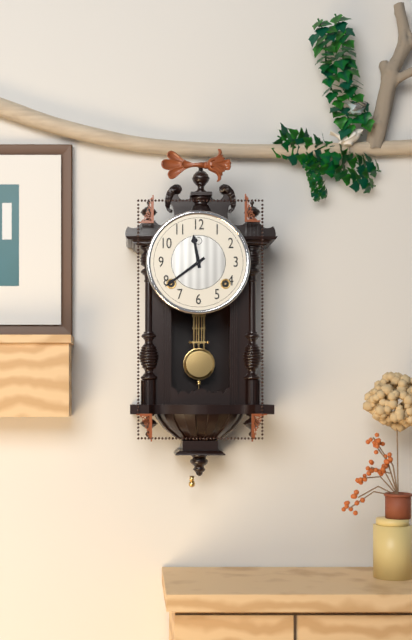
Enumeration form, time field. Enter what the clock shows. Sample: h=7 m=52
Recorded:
h=11 m=39
